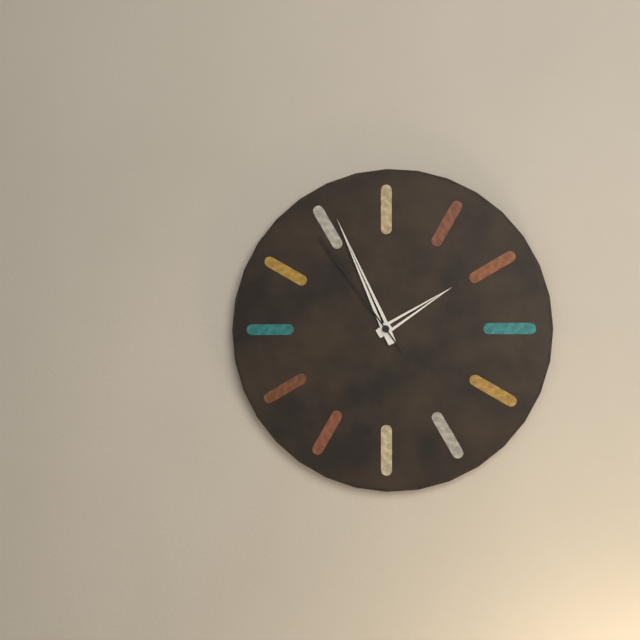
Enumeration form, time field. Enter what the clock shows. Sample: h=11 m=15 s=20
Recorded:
h=1 m=56 s=54
